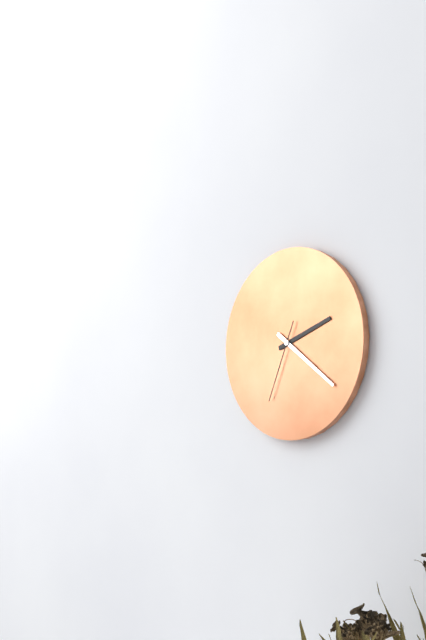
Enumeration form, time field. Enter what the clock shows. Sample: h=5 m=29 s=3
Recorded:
h=2 m=21 s=34
